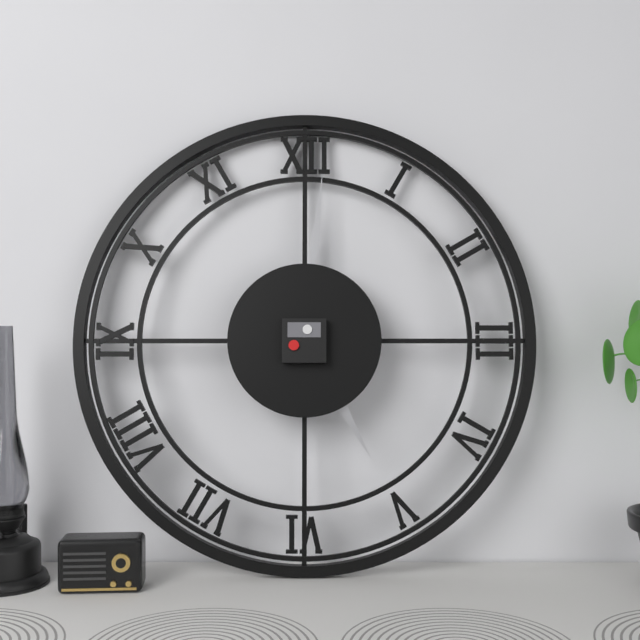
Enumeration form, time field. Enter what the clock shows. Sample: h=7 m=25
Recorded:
h=5 m=1
